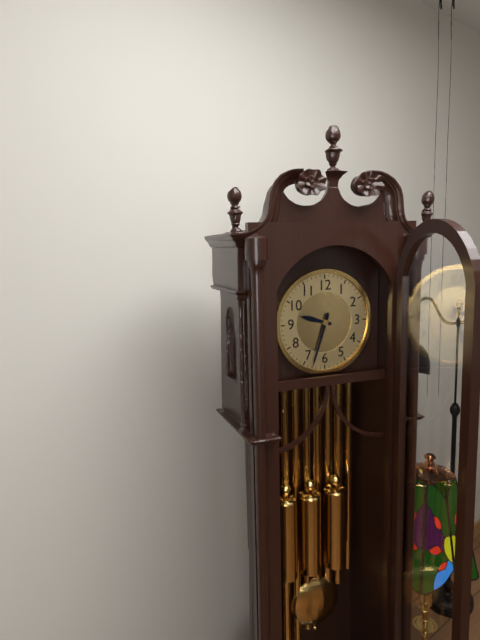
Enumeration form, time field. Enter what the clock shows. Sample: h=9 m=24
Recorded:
h=9 m=33
